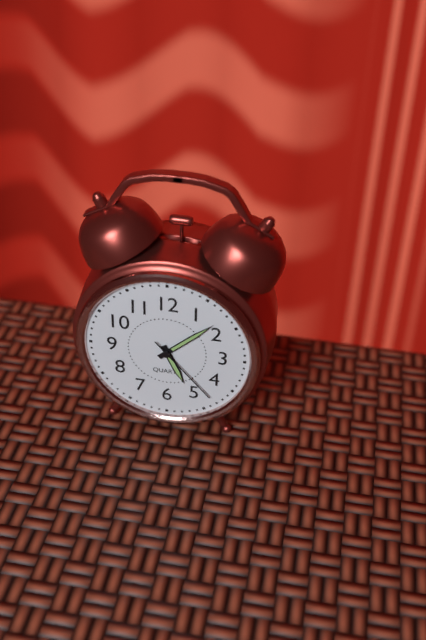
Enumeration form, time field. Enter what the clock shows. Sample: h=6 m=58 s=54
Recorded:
h=5 m=8 s=23
